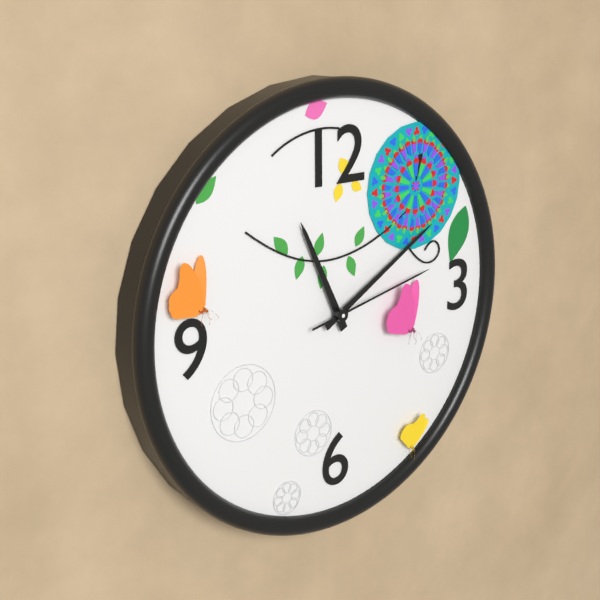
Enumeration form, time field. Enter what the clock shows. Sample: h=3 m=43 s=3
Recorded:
h=11 m=10 s=13
